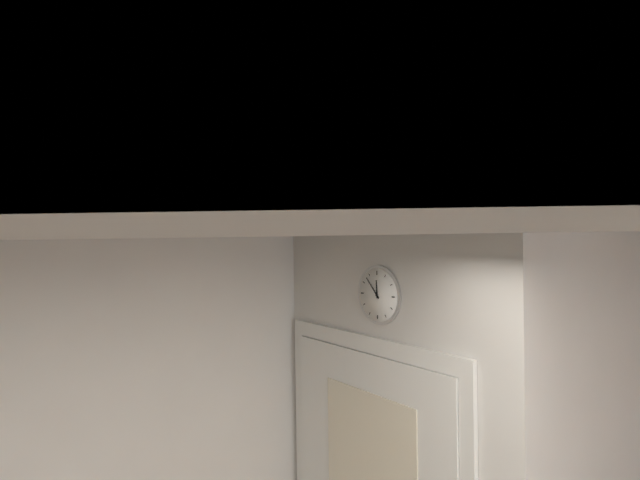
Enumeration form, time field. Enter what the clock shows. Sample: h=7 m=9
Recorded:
h=11 m=53
